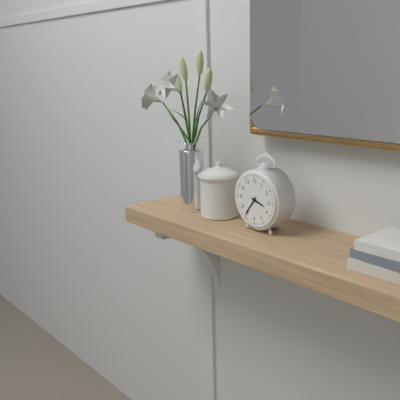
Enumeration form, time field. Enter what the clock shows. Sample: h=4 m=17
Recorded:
h=3 m=36
